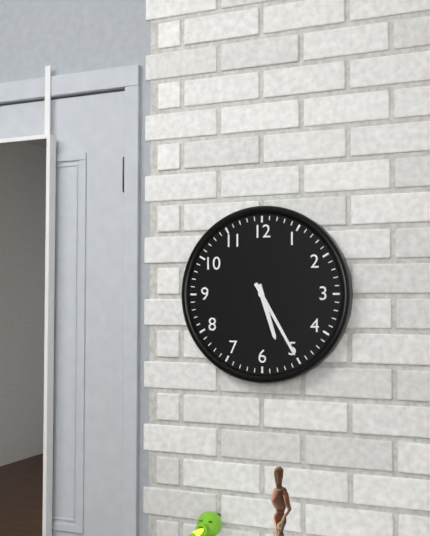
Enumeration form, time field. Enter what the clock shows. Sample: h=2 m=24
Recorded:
h=5 m=25
